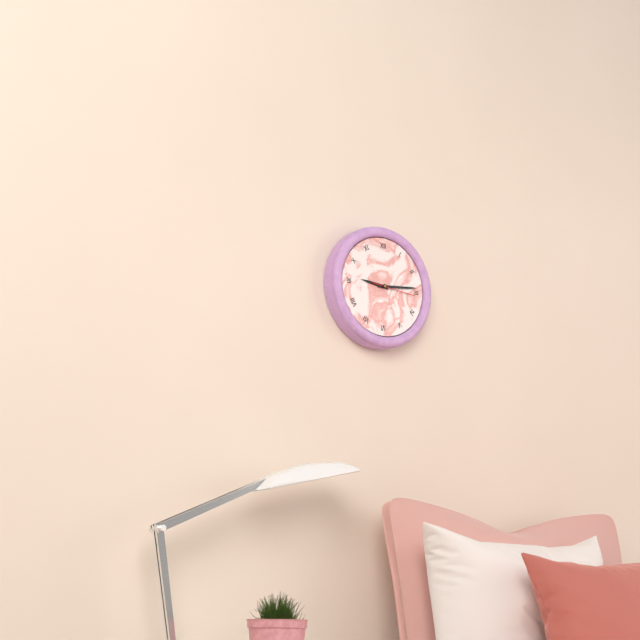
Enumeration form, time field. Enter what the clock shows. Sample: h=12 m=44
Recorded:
h=9 m=14
